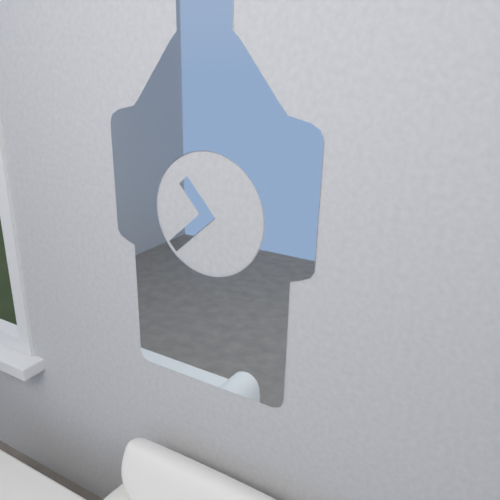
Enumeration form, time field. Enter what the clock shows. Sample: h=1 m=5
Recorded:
h=10 m=38
